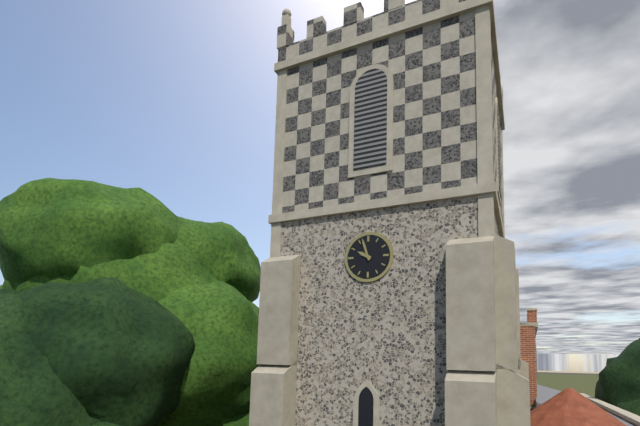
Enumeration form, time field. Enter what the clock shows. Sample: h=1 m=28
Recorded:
h=9 m=57
